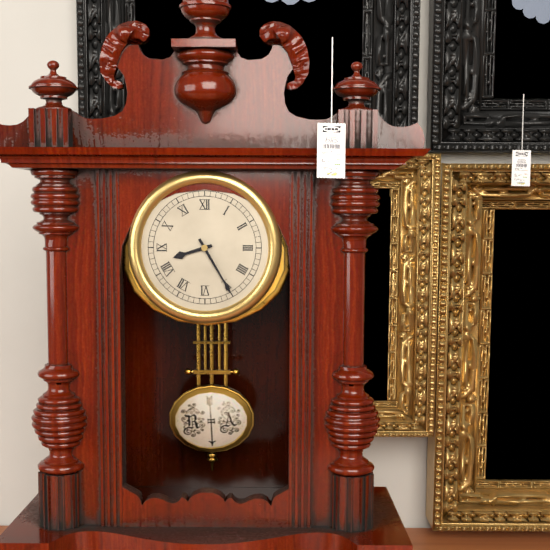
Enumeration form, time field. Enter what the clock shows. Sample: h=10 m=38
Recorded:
h=8 m=25
